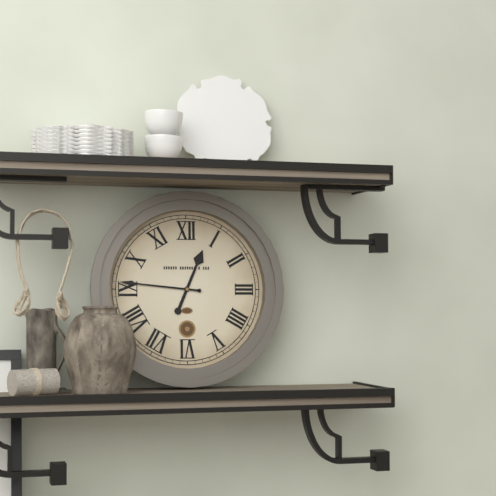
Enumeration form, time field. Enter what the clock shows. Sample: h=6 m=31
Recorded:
h=12 m=46
